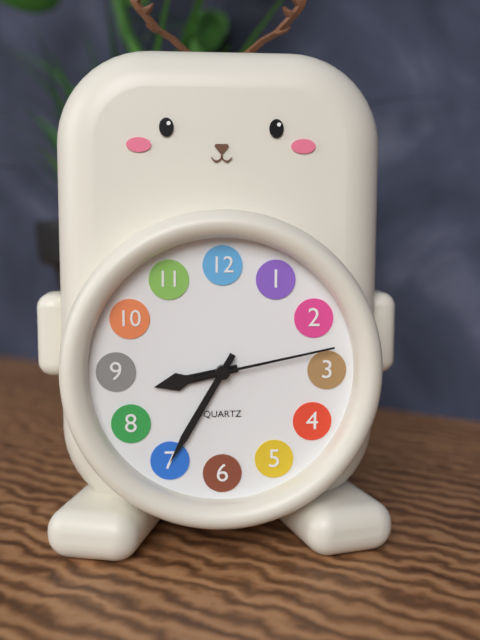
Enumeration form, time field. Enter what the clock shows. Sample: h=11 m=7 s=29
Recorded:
h=8 m=35 s=13
